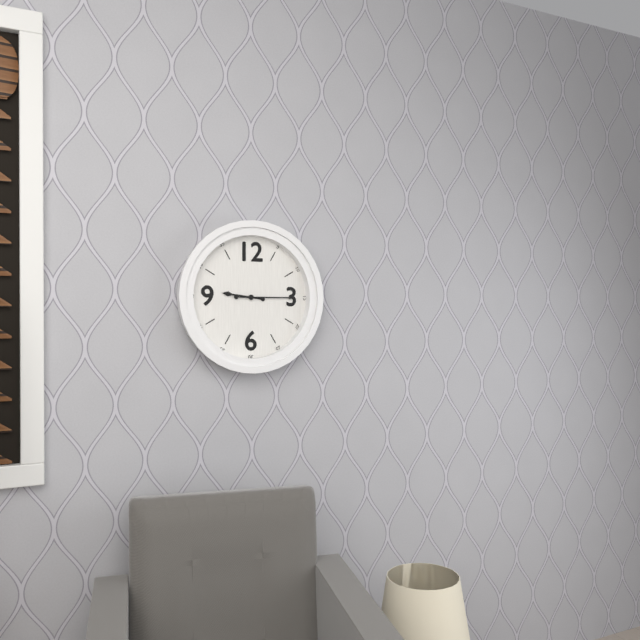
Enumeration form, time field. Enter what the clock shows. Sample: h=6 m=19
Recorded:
h=9 m=15
